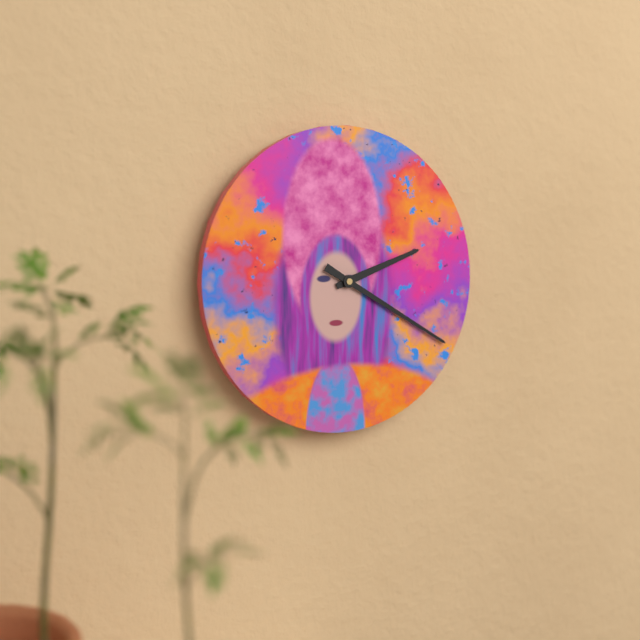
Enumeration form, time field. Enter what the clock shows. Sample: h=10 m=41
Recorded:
h=2 m=20
